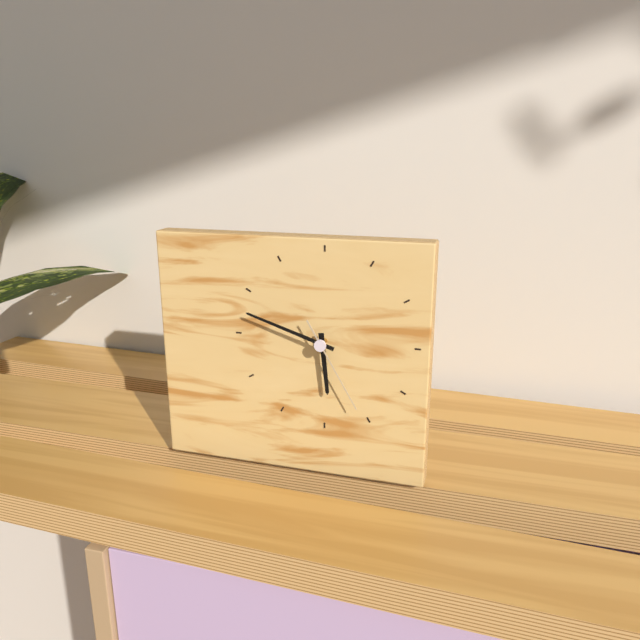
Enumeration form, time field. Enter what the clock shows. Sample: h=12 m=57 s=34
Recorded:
h=5 m=48 s=25
